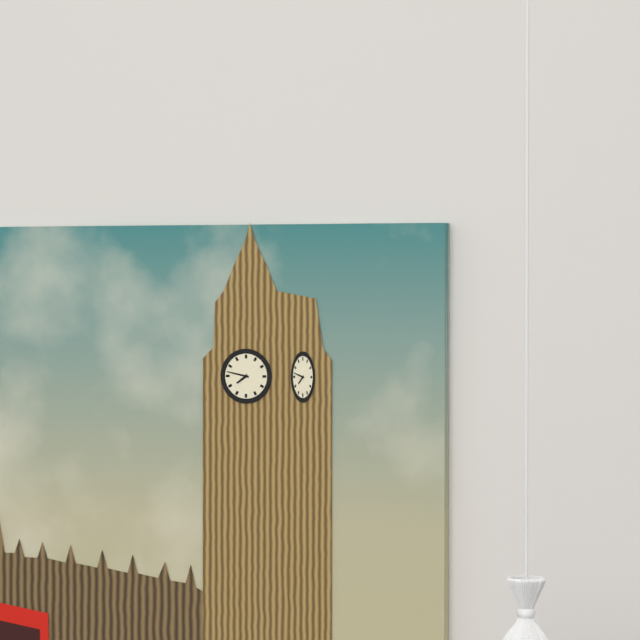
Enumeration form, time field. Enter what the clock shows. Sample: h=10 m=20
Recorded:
h=7 m=47
